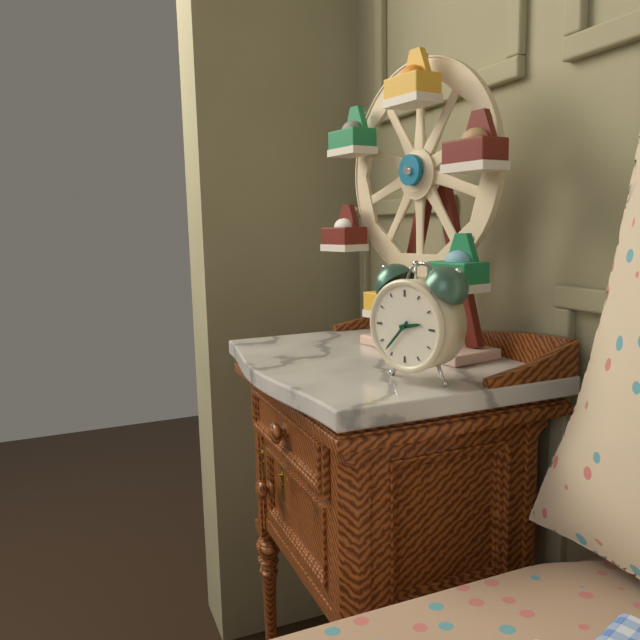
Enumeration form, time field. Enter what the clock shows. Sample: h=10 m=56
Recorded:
h=2 m=37
